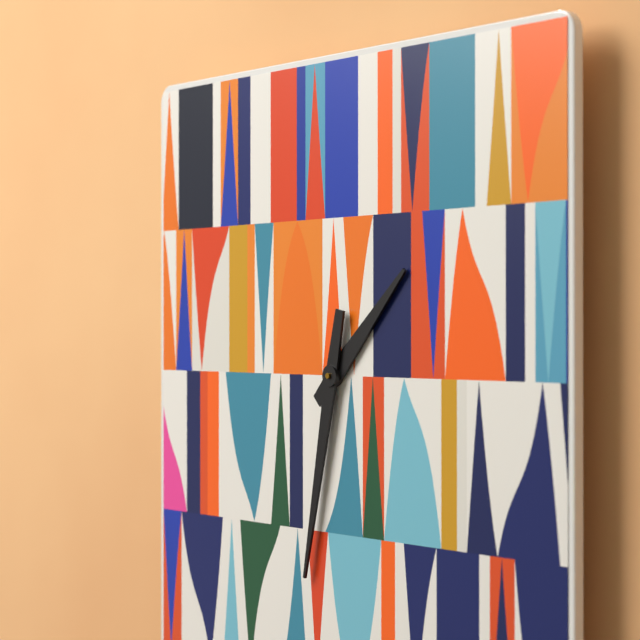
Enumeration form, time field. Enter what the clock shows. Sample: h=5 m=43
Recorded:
h=1 m=32
